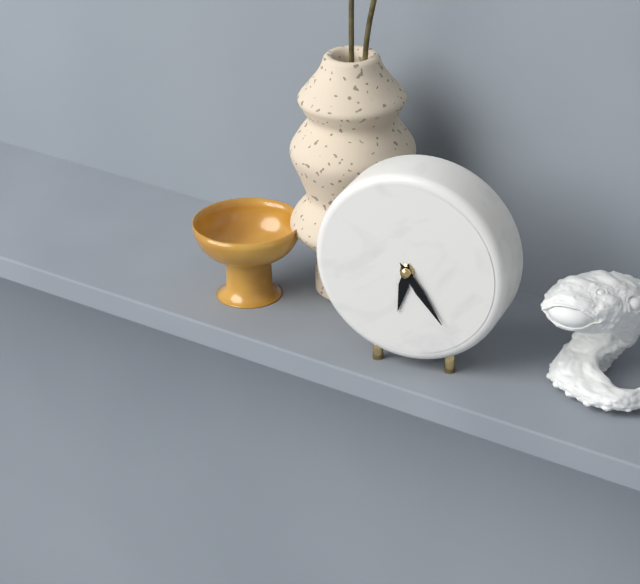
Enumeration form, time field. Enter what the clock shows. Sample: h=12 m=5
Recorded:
h=6 m=24
